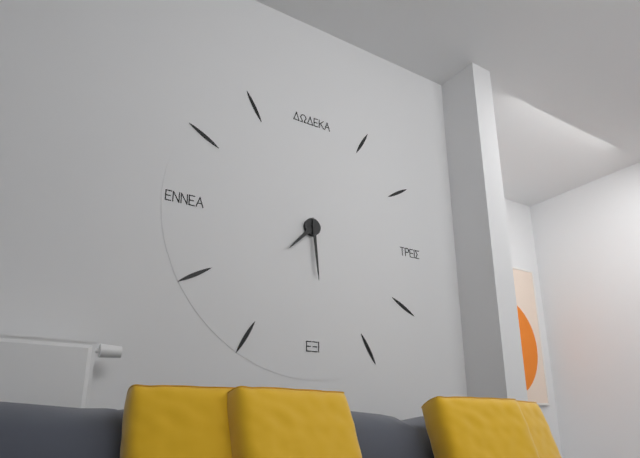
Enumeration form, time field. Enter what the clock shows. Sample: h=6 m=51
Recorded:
h=7 m=29
